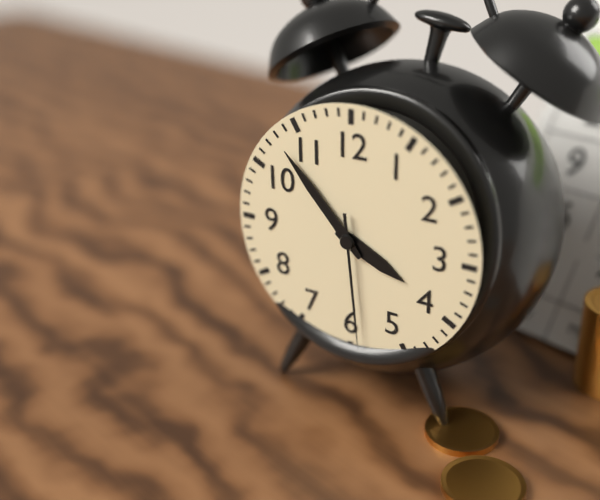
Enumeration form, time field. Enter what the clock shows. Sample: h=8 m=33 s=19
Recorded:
h=3 m=53 s=29
